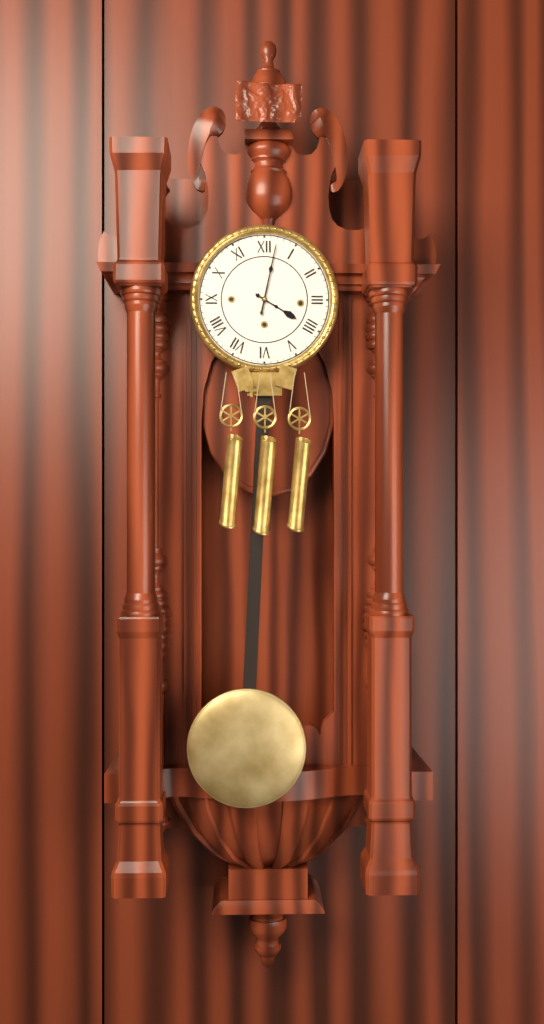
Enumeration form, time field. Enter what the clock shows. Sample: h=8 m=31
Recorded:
h=4 m=2
